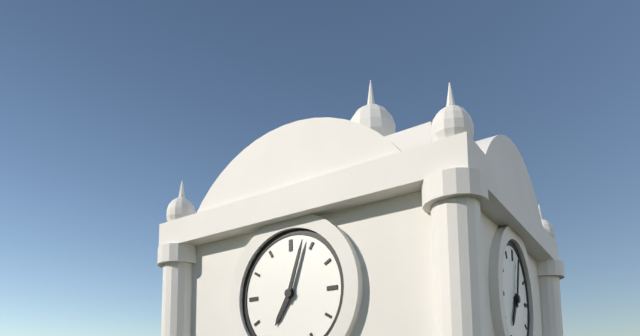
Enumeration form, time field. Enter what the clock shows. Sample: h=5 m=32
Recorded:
h=7 m=3
